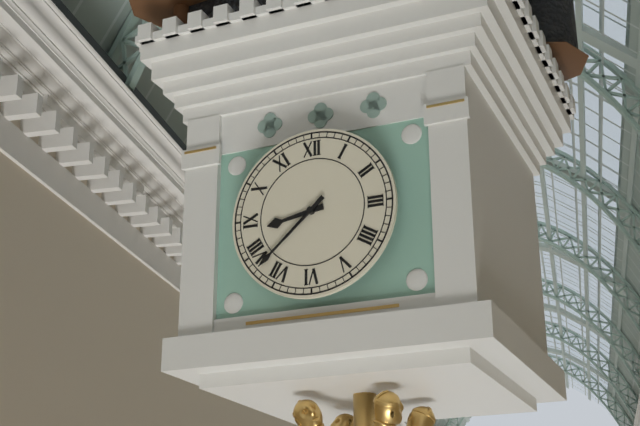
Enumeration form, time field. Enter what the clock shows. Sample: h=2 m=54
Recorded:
h=8 m=38
